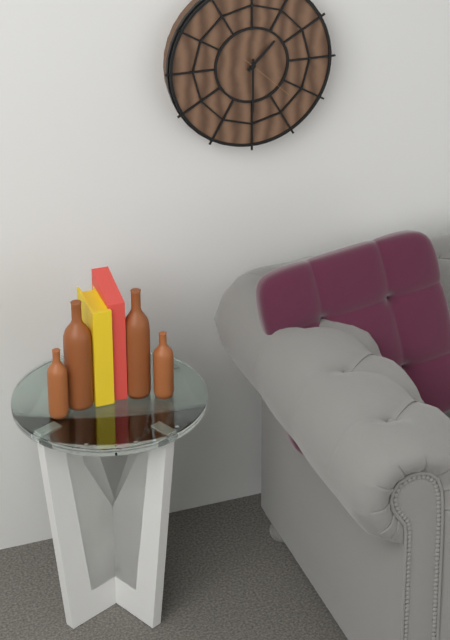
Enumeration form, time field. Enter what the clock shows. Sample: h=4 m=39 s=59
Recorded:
h=1 m=30 s=22
